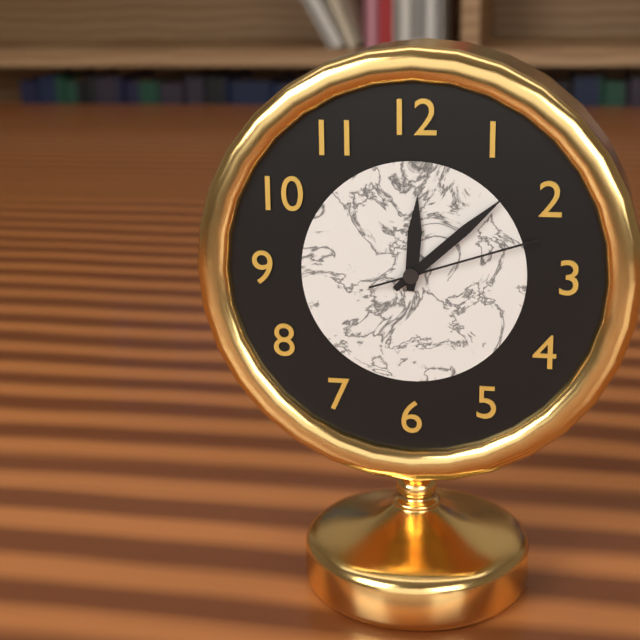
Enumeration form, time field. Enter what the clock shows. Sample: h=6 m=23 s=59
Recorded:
h=12 m=8 s=12
